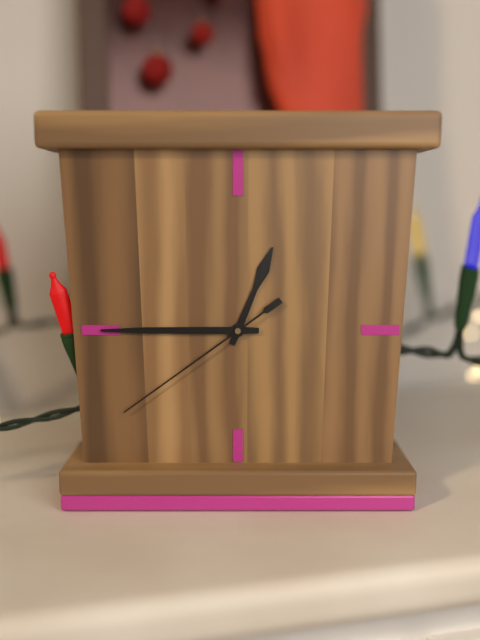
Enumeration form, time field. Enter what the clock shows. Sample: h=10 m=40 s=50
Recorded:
h=12 m=45 s=39
